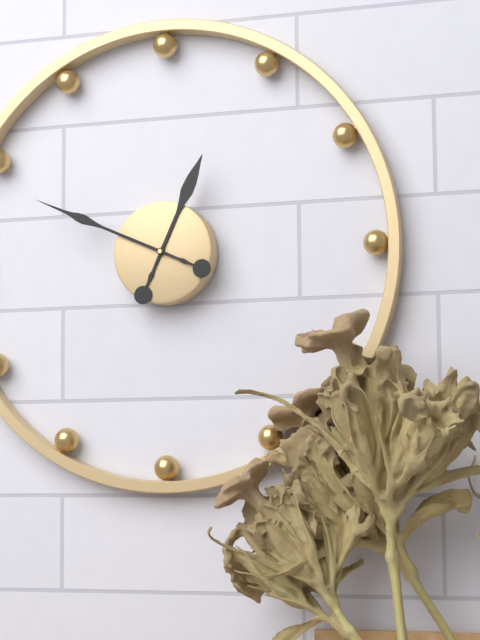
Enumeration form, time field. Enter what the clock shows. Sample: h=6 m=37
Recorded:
h=12 m=49
